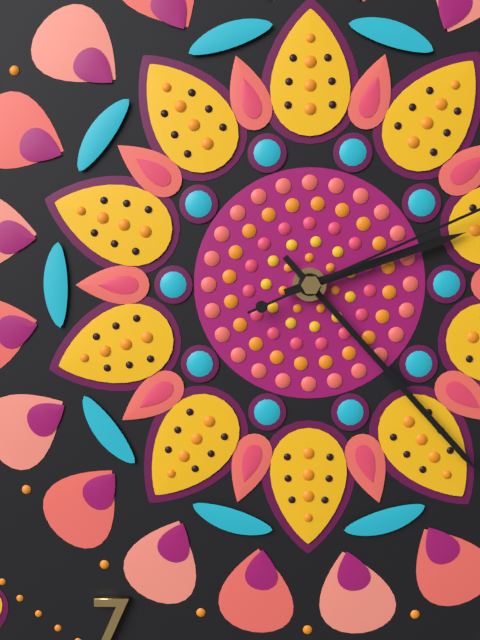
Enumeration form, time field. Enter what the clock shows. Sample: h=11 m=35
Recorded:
h=2 m=23
